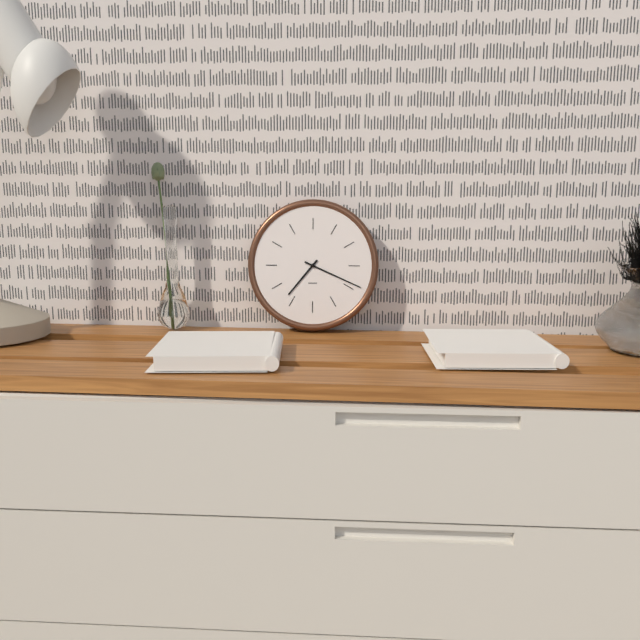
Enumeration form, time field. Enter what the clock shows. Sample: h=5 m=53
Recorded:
h=7 m=19
